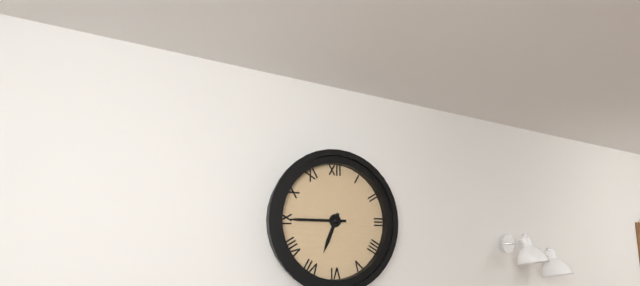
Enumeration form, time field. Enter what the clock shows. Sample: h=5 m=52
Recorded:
h=6 m=45
